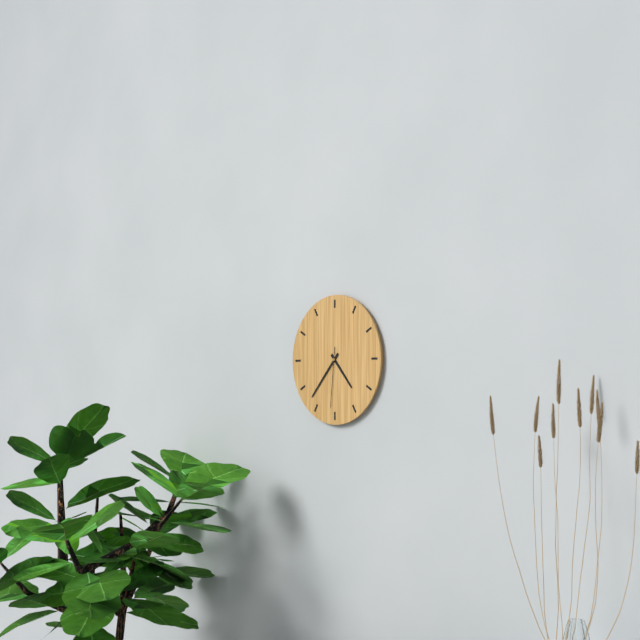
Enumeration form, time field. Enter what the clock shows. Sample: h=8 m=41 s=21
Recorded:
h=4 m=37 s=31
